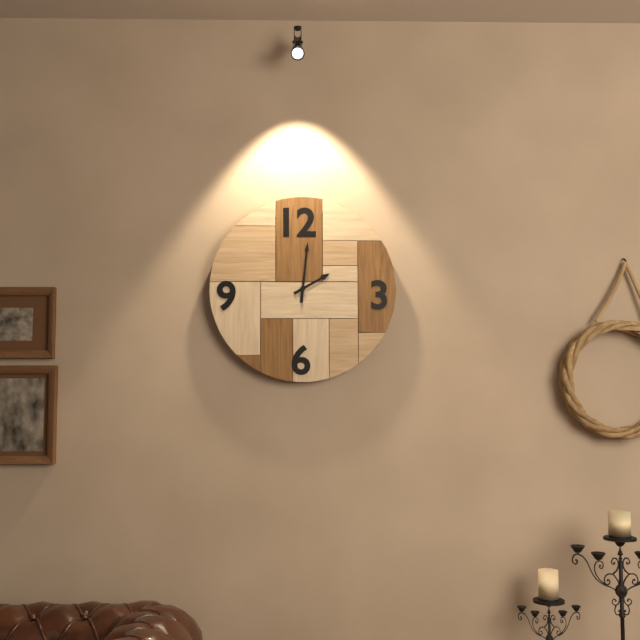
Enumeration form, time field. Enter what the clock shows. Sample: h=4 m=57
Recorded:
h=2 m=1
